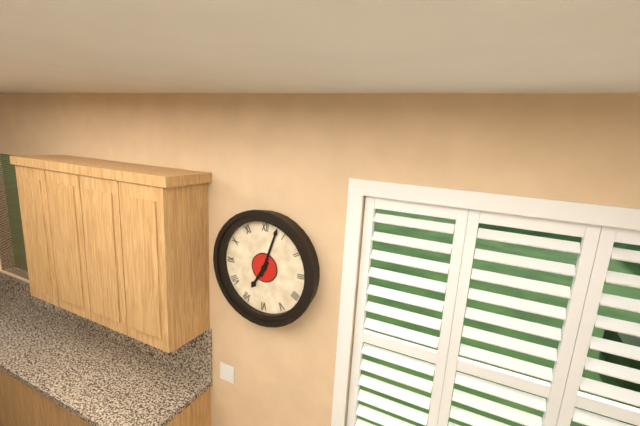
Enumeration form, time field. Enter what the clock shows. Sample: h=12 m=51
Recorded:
h=7 m=3
